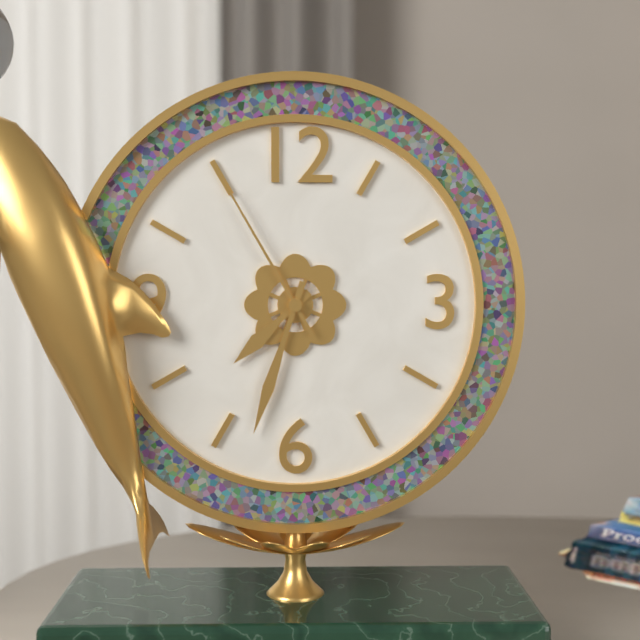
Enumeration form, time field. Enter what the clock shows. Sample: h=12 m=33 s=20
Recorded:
h=7 m=33 s=55
